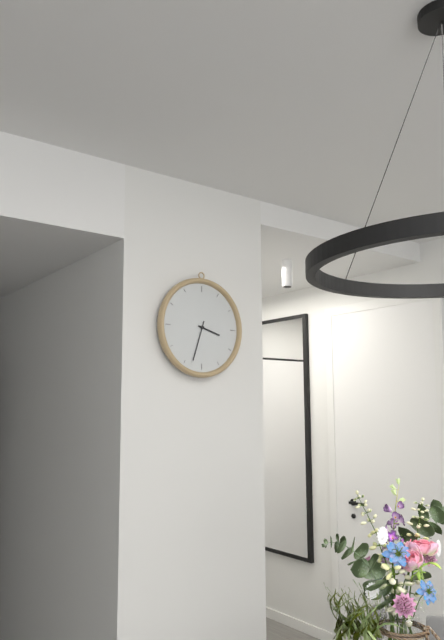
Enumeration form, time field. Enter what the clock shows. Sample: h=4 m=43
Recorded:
h=3 m=33
